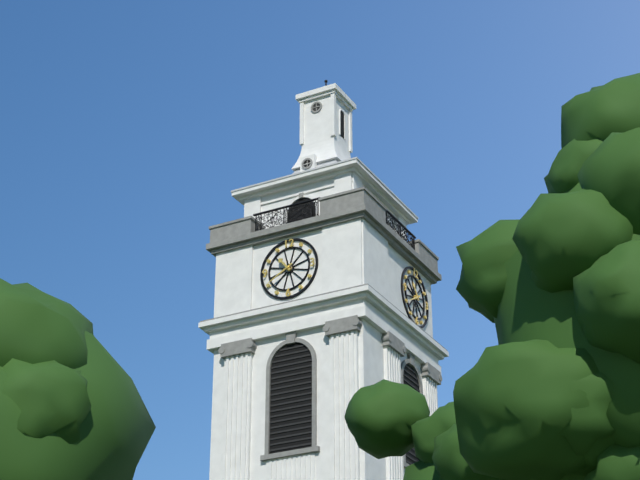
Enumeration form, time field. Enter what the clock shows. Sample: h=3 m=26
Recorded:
h=10 m=40
